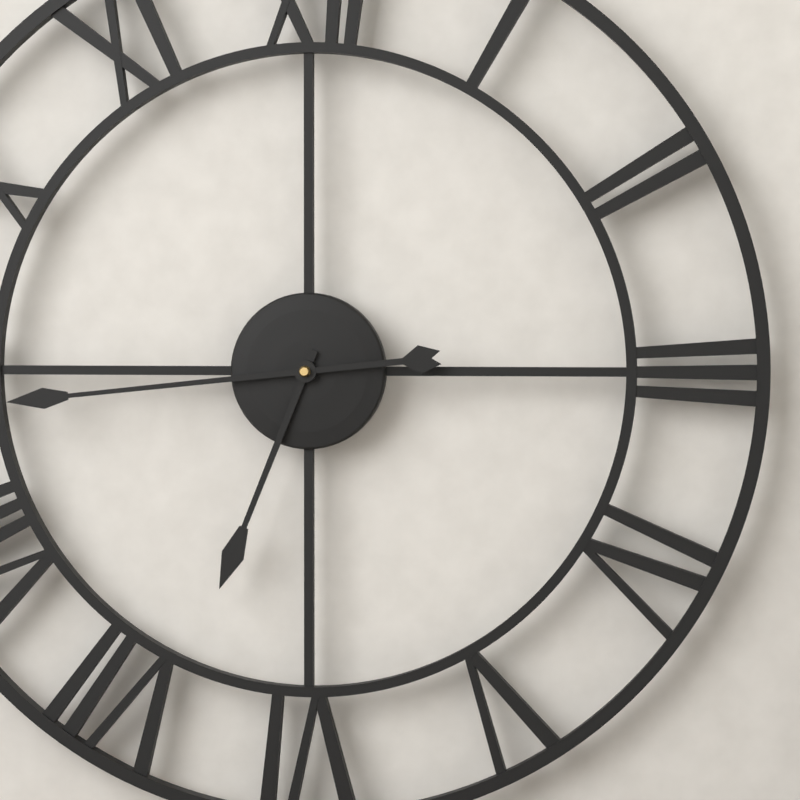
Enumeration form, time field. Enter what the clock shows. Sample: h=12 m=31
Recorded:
h=6 m=44
